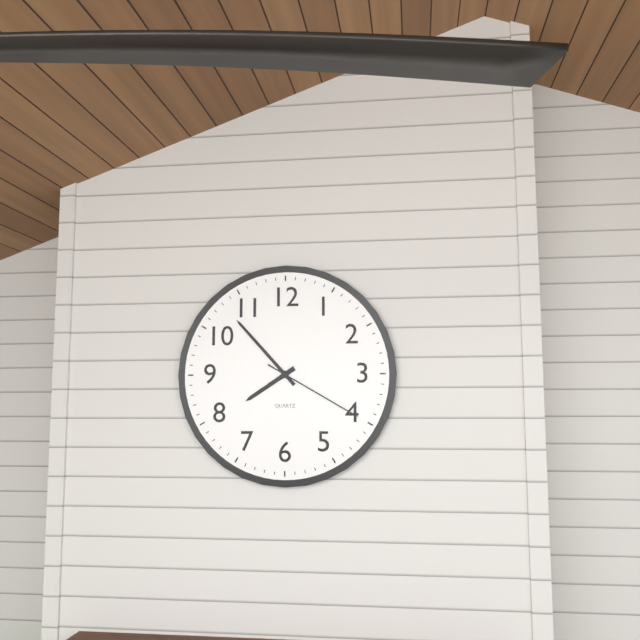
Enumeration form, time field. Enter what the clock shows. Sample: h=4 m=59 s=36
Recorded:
h=7 m=53 s=20
